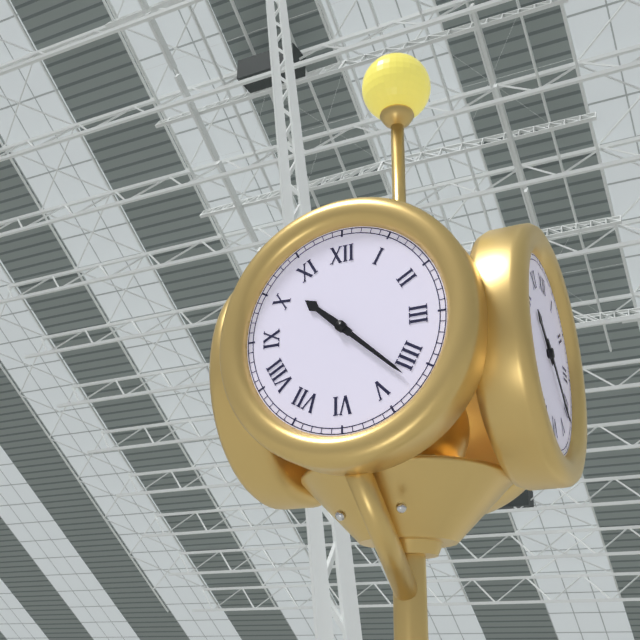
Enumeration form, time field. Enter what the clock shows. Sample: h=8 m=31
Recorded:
h=10 m=22
